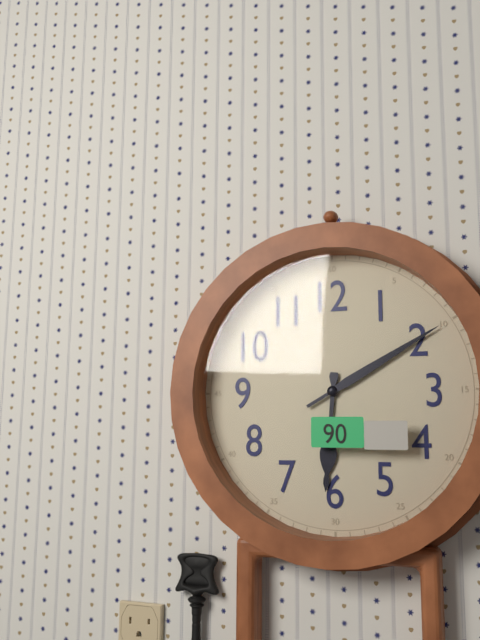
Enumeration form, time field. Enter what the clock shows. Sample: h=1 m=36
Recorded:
h=6 m=10
